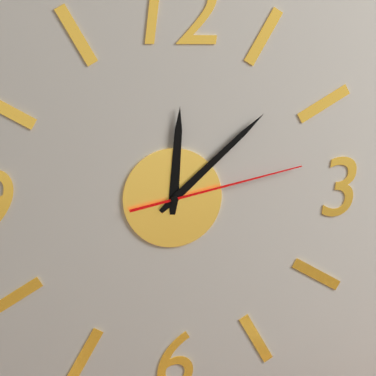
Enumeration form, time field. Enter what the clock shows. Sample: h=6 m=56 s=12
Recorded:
h=12 m=8 s=13
